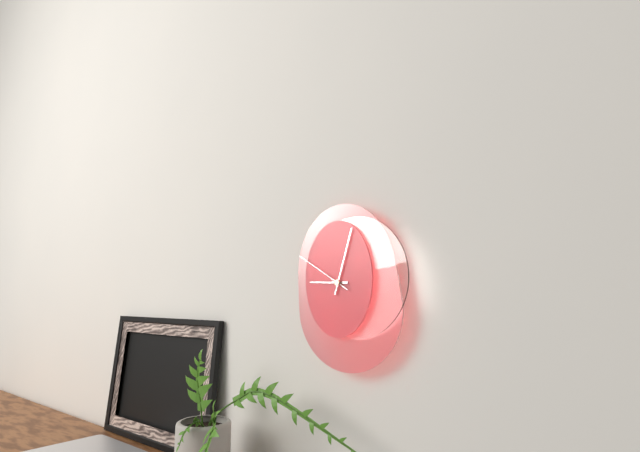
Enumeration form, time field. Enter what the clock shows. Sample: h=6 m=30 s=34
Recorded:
h=9 m=3 s=50
